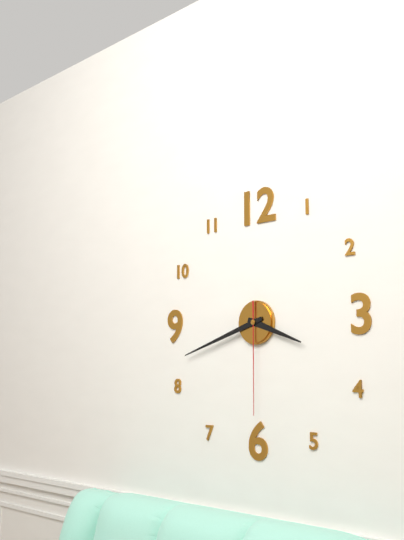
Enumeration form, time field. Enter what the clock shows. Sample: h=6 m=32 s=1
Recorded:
h=3 m=42 s=30
